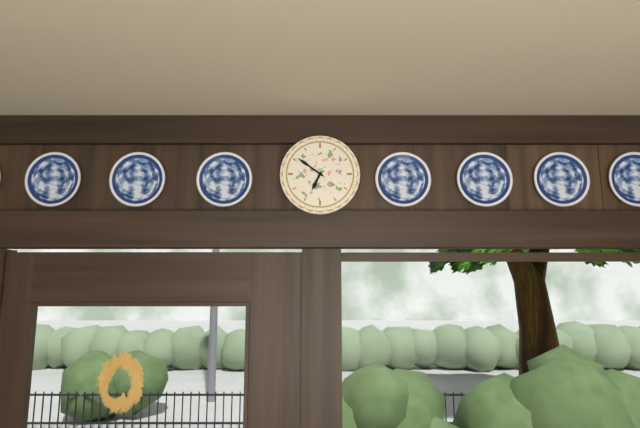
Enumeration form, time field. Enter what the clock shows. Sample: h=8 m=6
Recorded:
h=6 m=51
